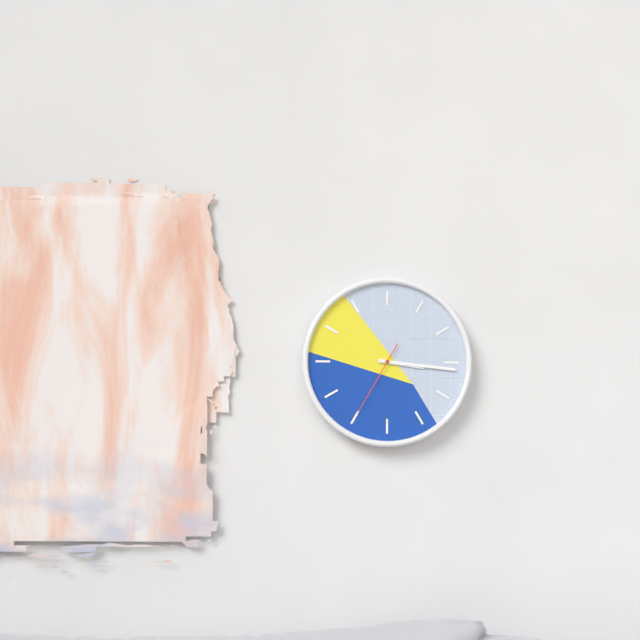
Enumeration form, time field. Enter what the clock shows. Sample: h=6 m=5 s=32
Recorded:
h=3 m=16 s=35
